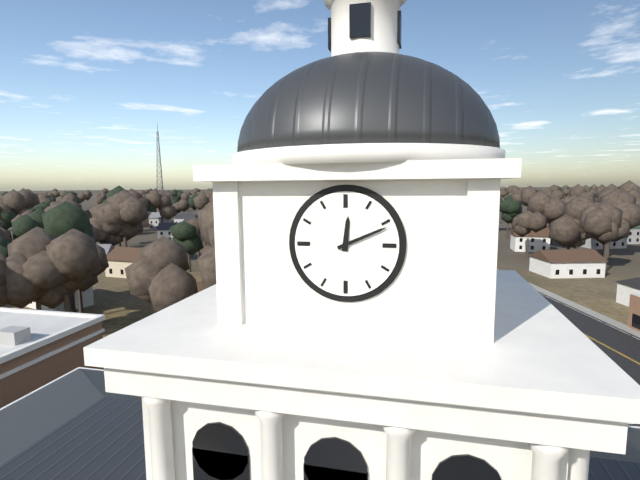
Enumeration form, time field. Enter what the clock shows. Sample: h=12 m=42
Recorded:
h=12 m=11
